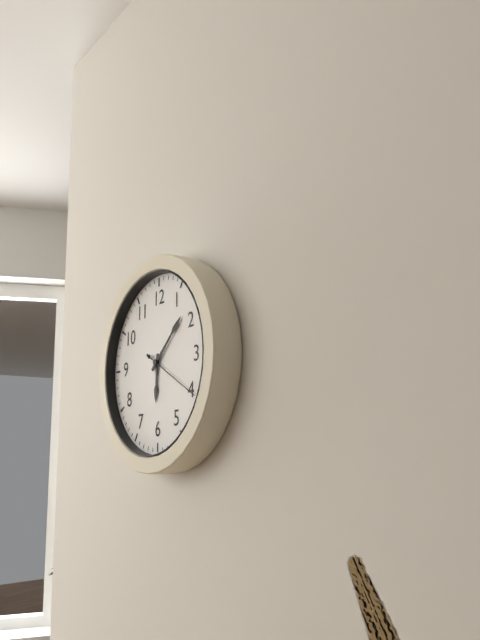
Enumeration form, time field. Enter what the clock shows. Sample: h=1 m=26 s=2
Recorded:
h=6 m=8 s=20
